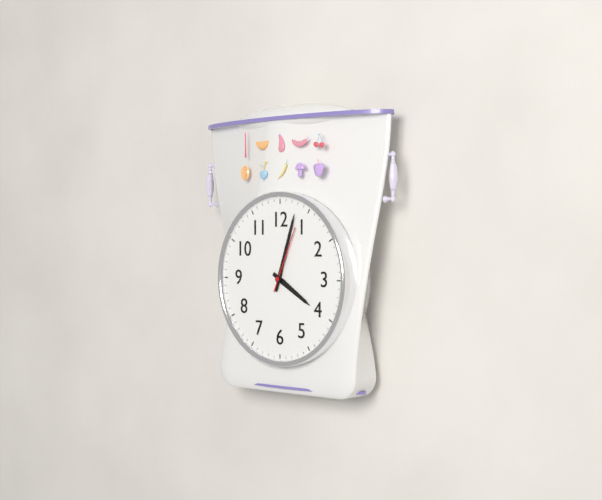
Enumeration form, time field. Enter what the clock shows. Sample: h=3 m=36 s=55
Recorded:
h=4 m=3 s=4
